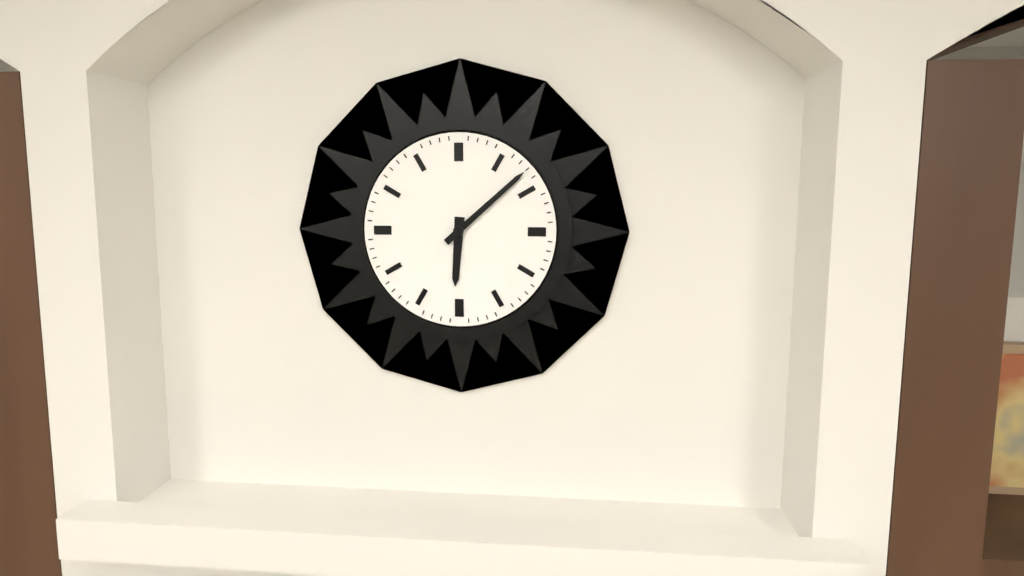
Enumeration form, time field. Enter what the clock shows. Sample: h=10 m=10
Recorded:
h=6 m=8
